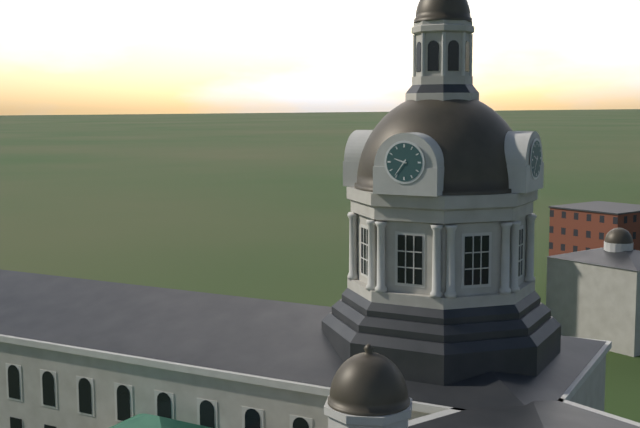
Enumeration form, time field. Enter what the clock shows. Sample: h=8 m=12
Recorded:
h=9 m=36
